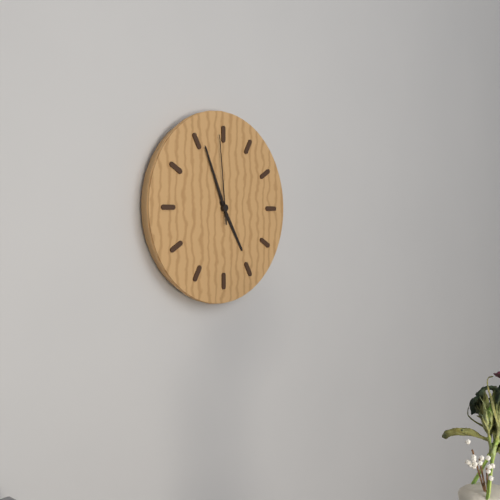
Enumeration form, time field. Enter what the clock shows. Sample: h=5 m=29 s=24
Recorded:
h=4 m=56 s=59
